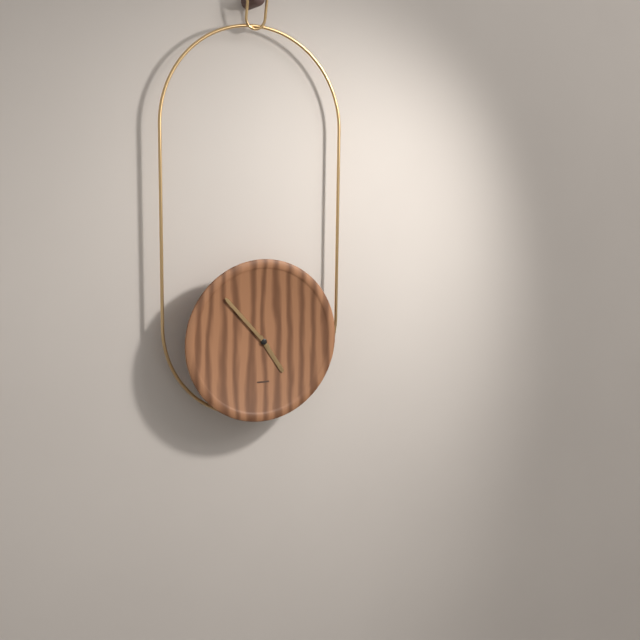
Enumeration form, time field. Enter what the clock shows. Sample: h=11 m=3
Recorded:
h=4 m=53
